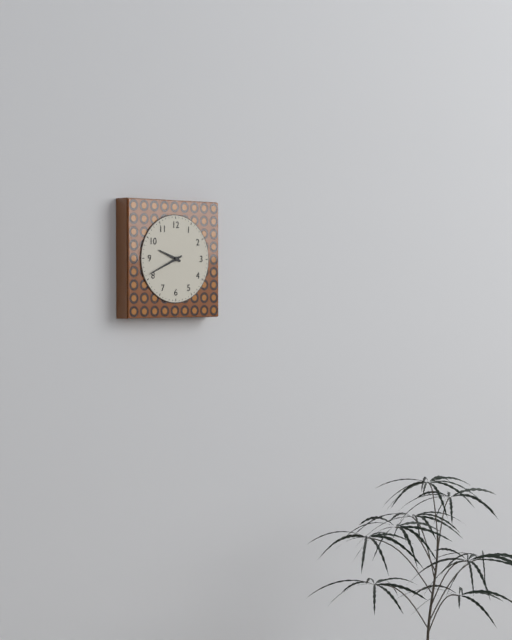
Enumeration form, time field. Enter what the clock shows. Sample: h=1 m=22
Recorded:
h=9 m=41
